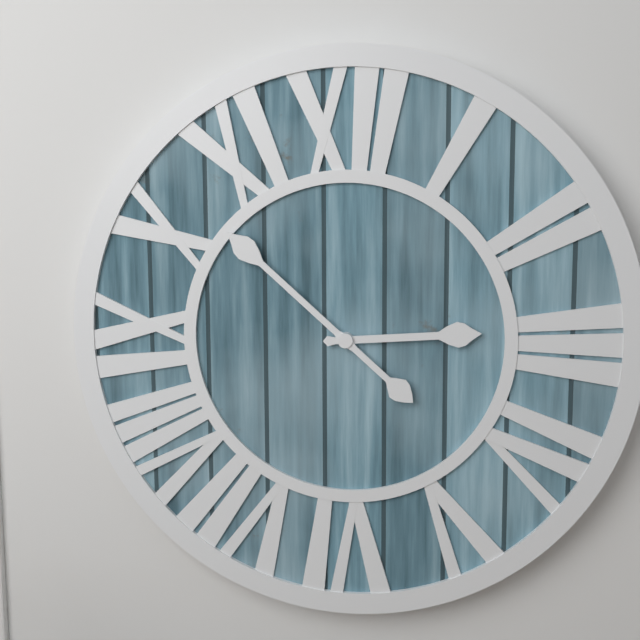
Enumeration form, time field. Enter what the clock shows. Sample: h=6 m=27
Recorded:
h=2 m=52
